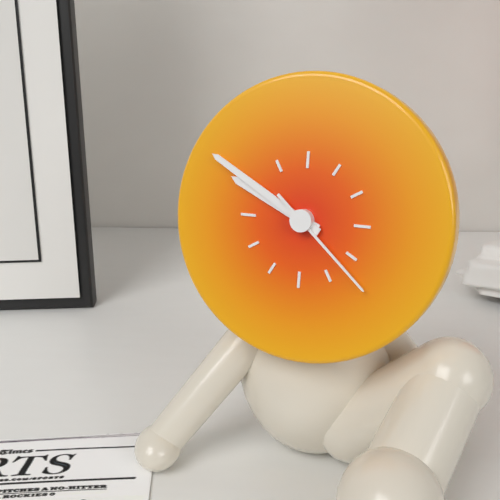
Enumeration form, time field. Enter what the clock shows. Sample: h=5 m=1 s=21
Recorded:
h=9 m=50 s=22
